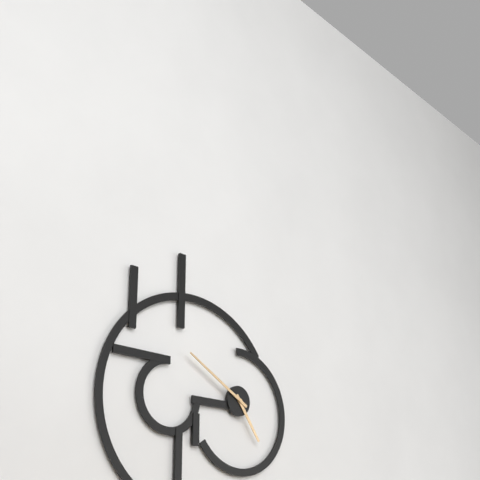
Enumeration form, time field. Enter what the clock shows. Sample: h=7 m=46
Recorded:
h=4 m=50
